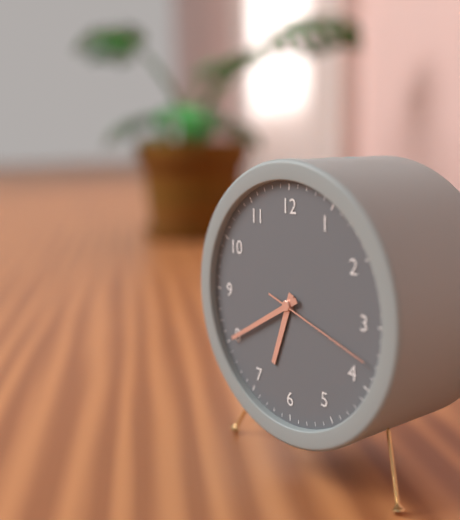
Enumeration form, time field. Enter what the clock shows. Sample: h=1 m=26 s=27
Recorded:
h=6 m=40 s=18
